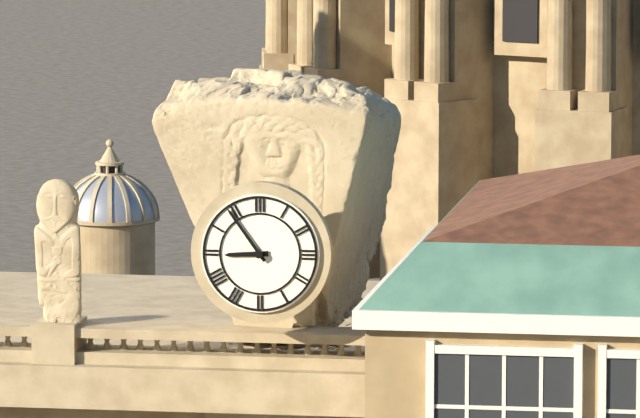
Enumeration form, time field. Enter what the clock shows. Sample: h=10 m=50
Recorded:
h=8 m=54
